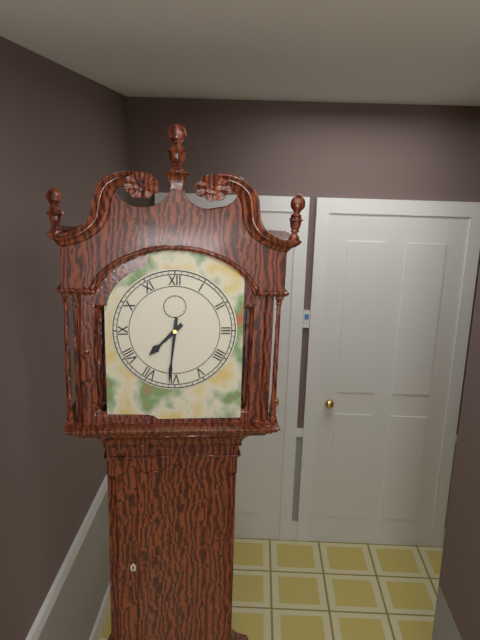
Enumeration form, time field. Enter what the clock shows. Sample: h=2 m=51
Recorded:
h=7 m=31
